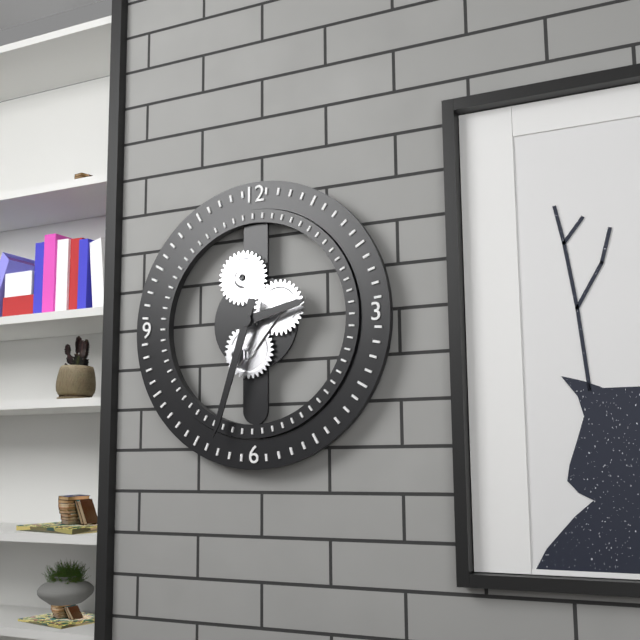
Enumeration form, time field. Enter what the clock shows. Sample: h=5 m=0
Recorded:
h=2 m=33
